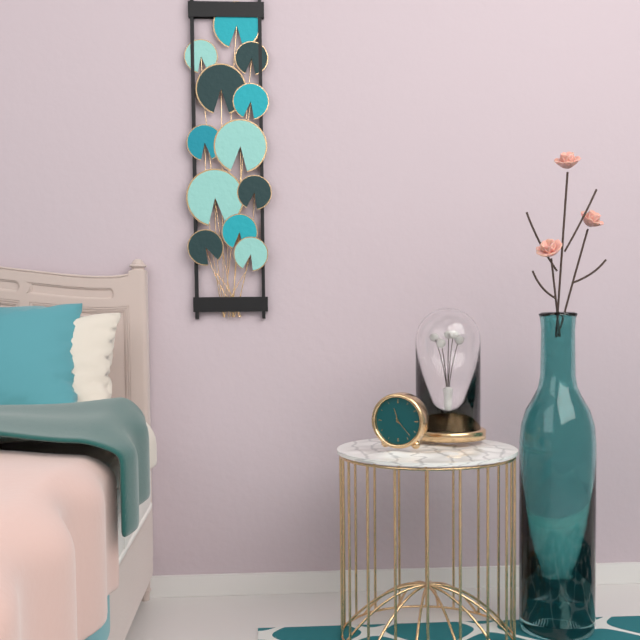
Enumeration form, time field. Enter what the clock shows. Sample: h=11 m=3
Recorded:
h=11 m=23
